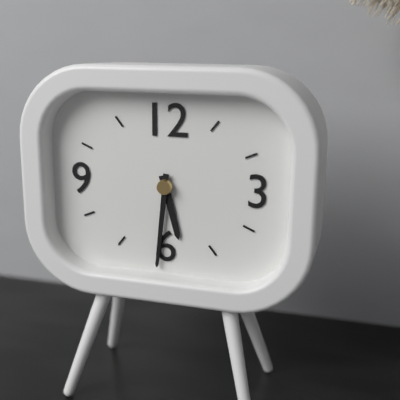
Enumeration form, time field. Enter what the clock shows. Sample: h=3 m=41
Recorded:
h=5 m=31
